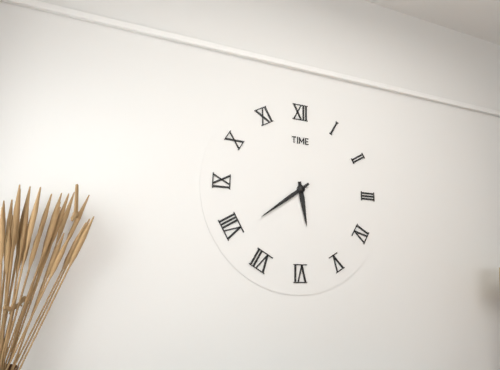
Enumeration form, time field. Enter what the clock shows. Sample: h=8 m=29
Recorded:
h=5 m=39
